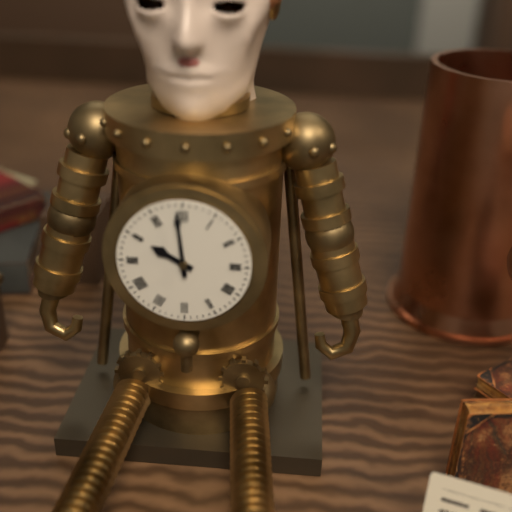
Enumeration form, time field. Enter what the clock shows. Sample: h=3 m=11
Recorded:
h=9 m=59
